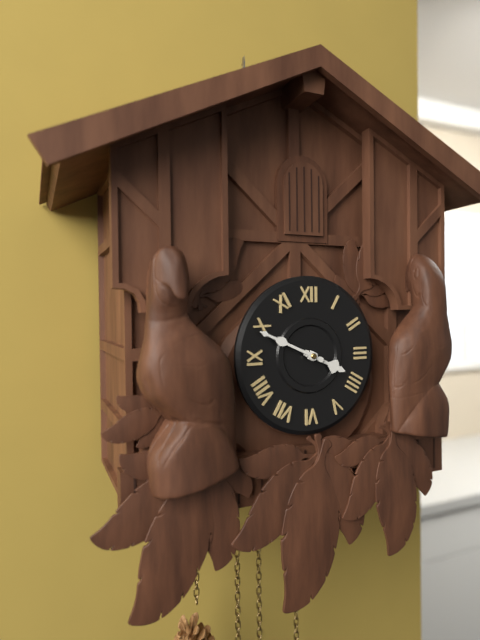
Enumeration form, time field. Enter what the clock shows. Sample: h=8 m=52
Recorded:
h=3 m=49
